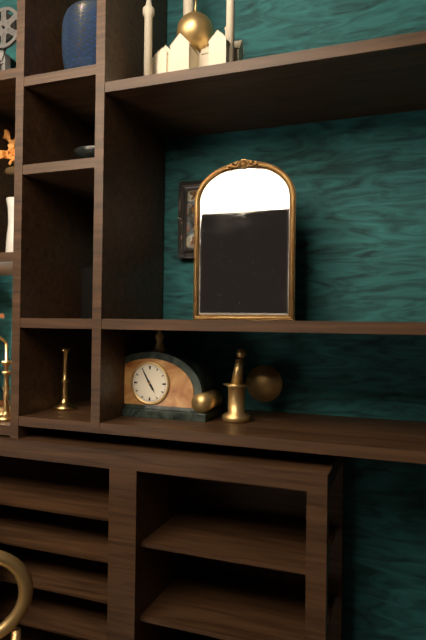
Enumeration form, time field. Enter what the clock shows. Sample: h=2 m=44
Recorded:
h=4 m=55
